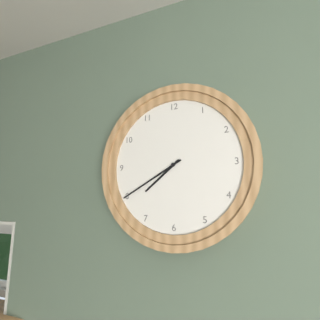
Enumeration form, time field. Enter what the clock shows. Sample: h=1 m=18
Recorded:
h=7 m=40
